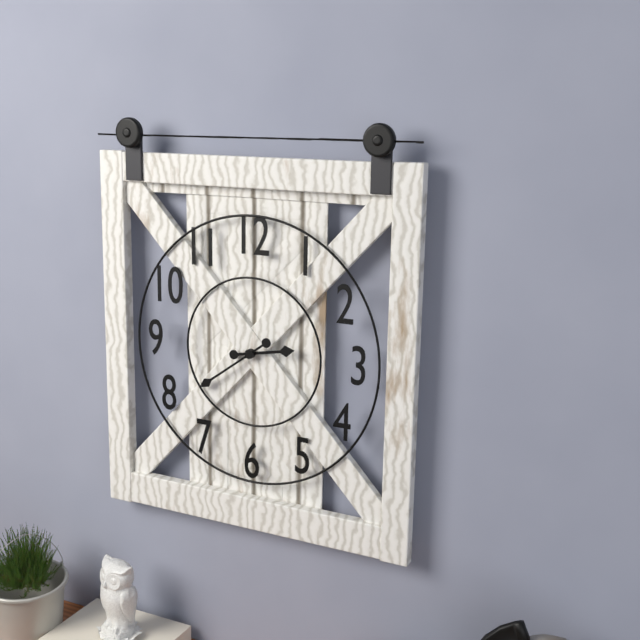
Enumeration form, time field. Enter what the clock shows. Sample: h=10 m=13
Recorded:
h=2 m=39
